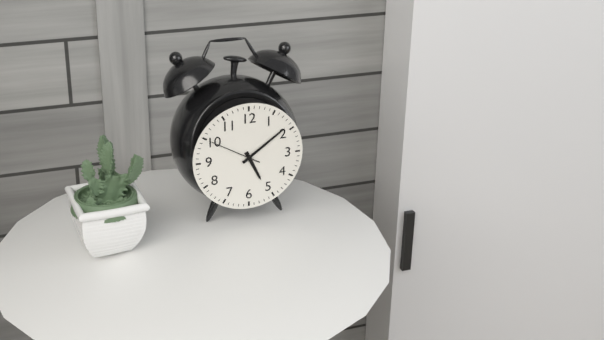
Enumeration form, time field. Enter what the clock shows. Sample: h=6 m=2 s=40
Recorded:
h=5 m=9 s=50
